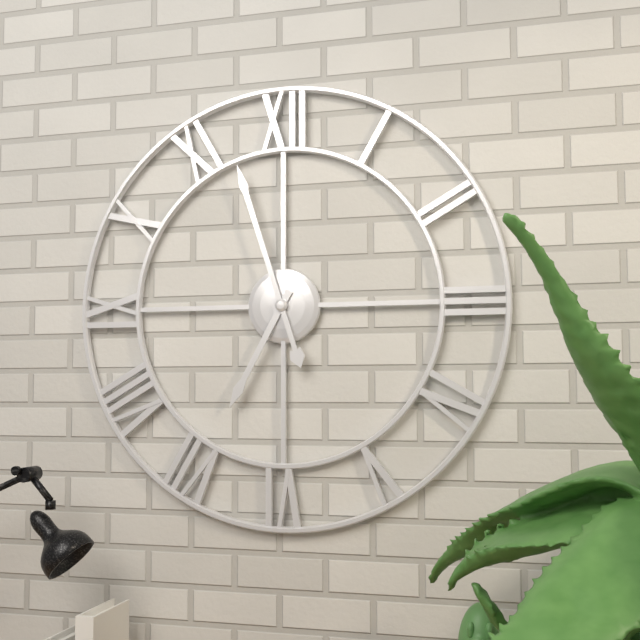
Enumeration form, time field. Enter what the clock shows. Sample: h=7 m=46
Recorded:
h=6 m=57
